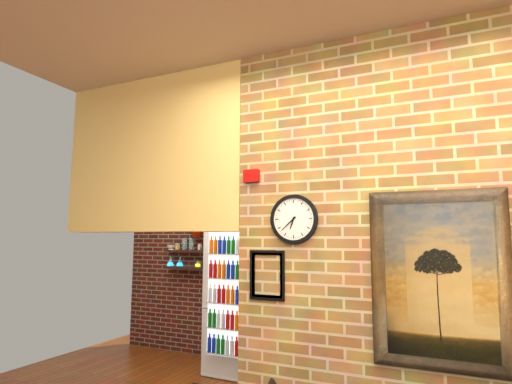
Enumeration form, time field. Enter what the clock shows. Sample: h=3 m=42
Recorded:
h=6 m=38
